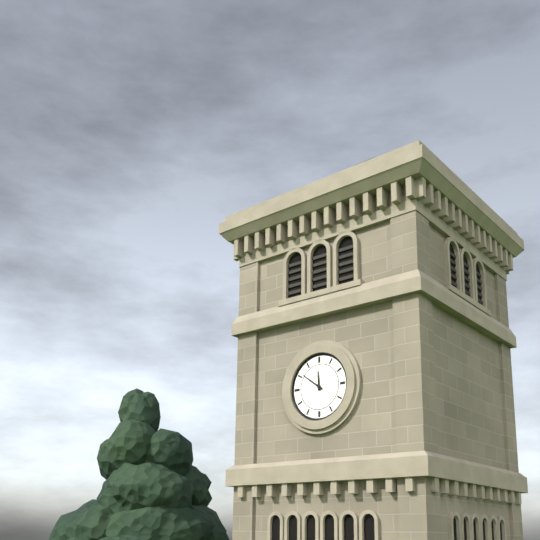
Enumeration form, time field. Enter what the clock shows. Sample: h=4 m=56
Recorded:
h=11 m=51
